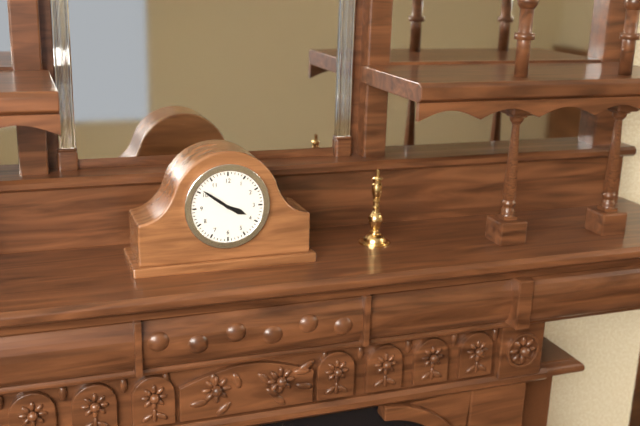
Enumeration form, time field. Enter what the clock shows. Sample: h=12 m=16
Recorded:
h=3 m=51
